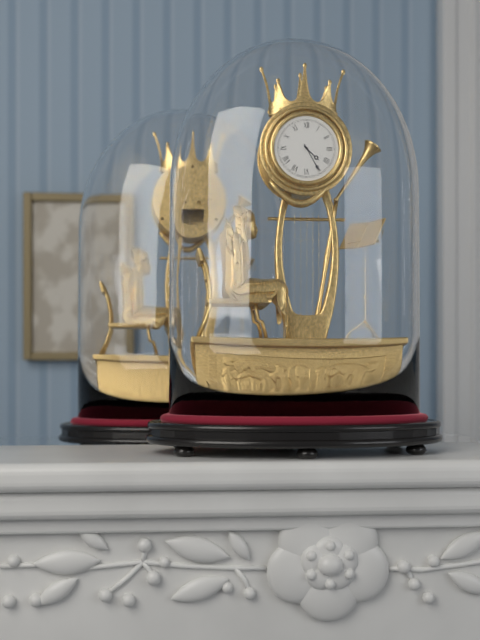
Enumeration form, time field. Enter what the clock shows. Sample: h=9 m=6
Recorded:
h=4 m=25
